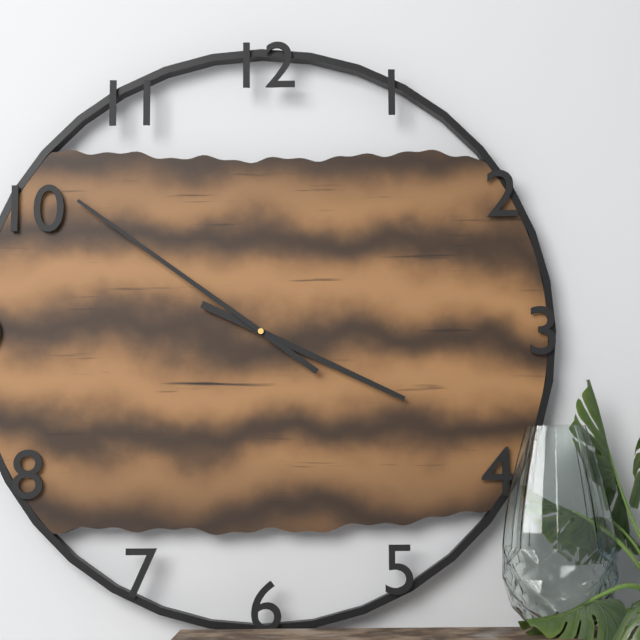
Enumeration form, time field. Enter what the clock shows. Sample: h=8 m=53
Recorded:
h=3 m=51
